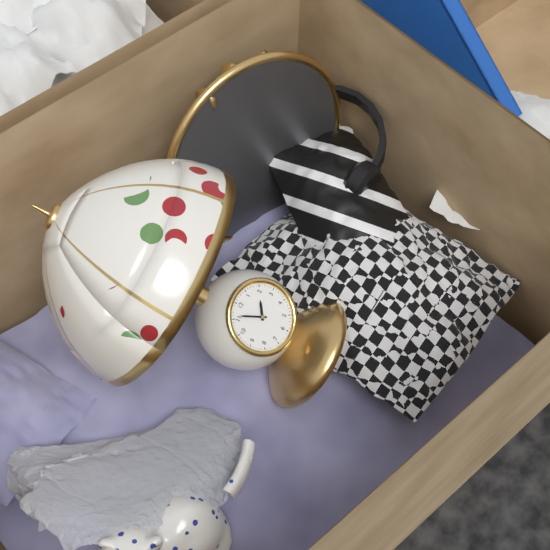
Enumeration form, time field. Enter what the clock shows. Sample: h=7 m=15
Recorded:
h=1 m=56
